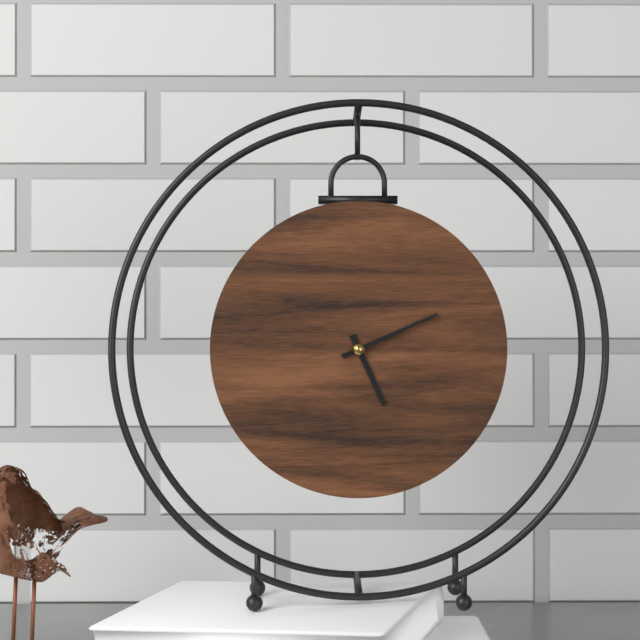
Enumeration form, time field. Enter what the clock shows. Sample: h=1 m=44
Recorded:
h=5 m=11
